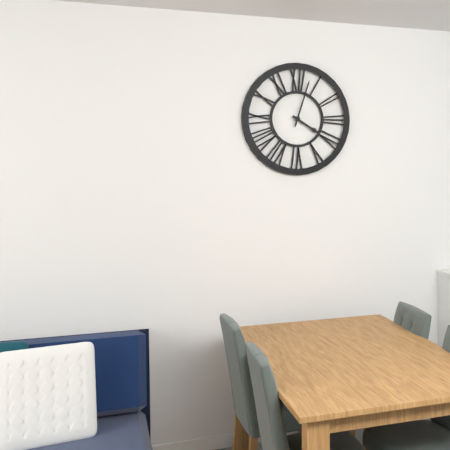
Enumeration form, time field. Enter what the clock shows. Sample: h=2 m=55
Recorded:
h=4 m=3
